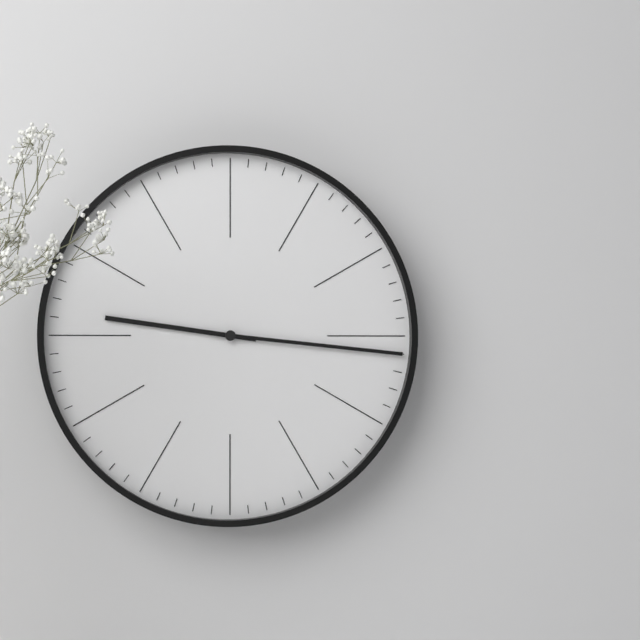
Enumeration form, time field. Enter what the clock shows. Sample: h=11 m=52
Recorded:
h=9 m=16
